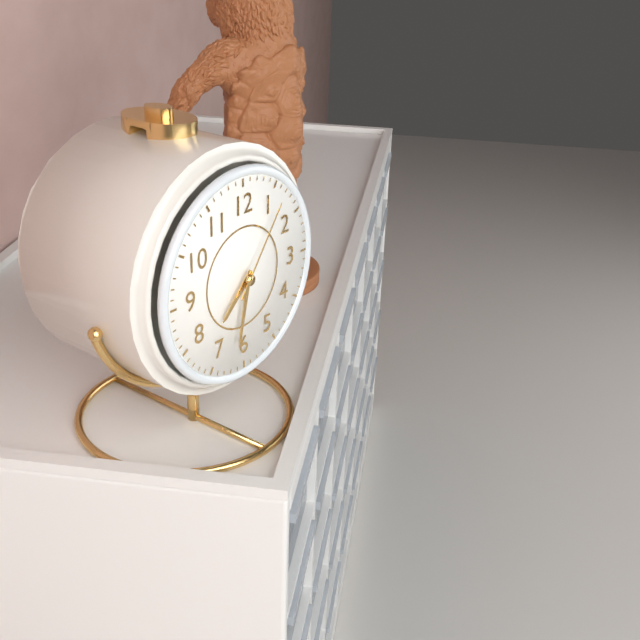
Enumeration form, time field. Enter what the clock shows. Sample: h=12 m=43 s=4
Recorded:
h=7 m=32 s=6
